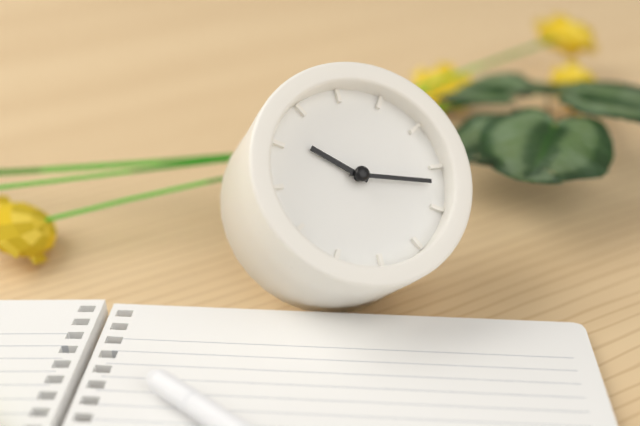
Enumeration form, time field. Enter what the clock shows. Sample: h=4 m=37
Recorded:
h=10 m=17
